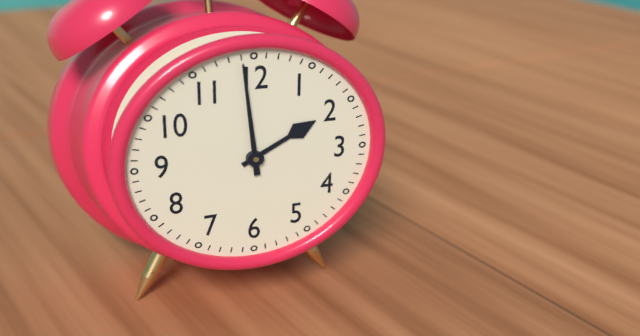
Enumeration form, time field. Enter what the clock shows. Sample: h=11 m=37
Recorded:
h=1 m=59
